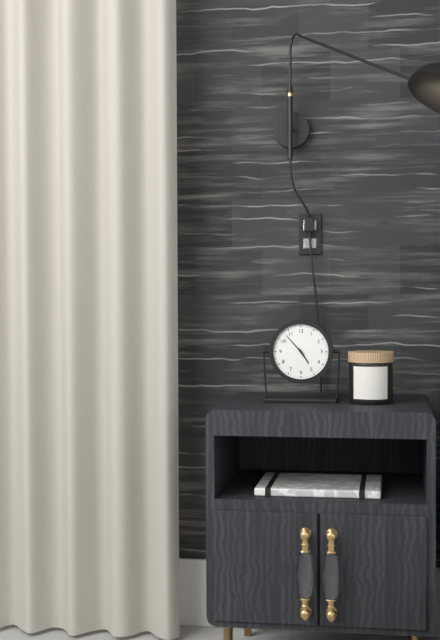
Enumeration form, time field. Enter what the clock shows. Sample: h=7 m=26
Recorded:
h=4 m=53
